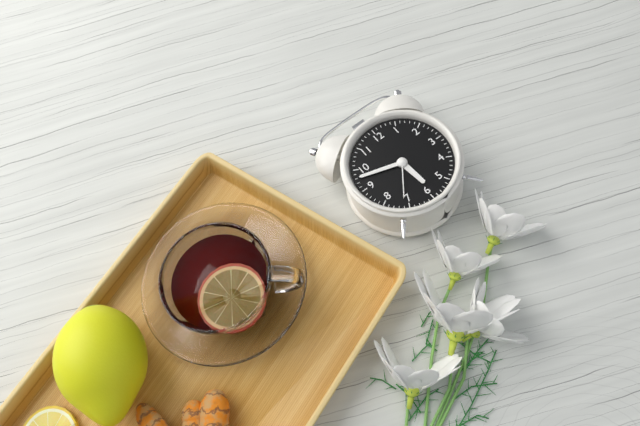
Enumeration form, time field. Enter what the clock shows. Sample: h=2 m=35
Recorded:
h=5 m=48
